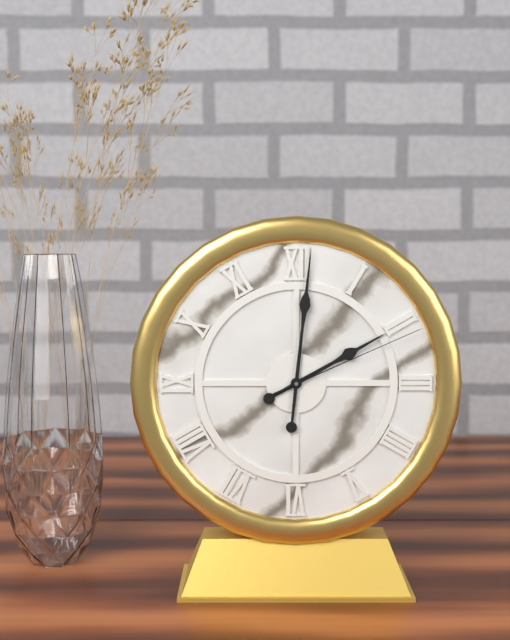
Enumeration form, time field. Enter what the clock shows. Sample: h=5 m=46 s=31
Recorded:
h=2 m=1 s=11
